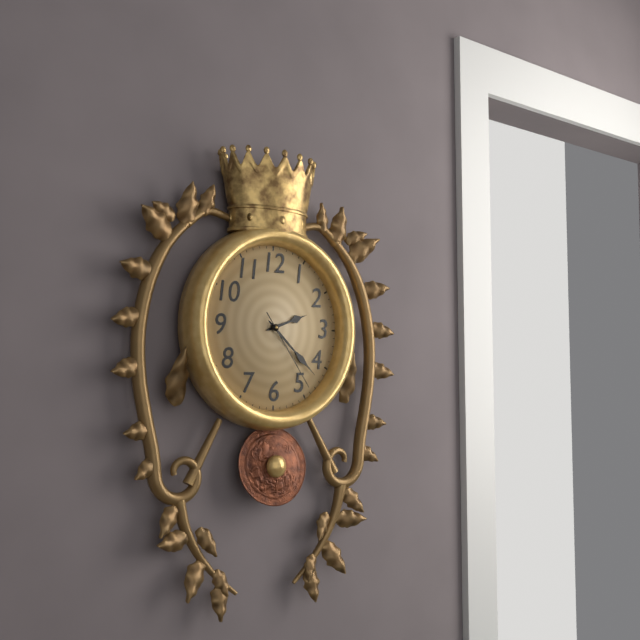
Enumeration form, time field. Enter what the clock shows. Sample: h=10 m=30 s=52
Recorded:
h=2 m=22 s=24
